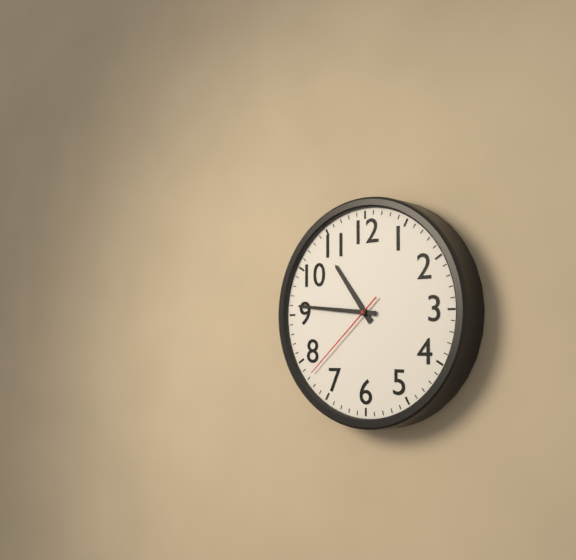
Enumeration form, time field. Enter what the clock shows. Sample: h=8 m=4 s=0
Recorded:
h=10 m=46 s=38
